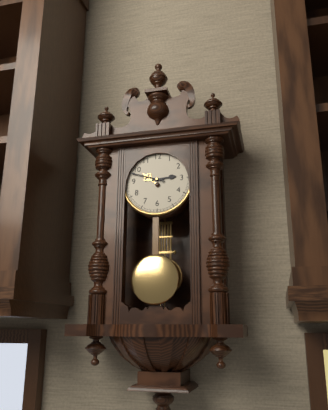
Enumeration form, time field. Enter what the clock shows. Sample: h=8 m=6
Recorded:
h=2 m=48
